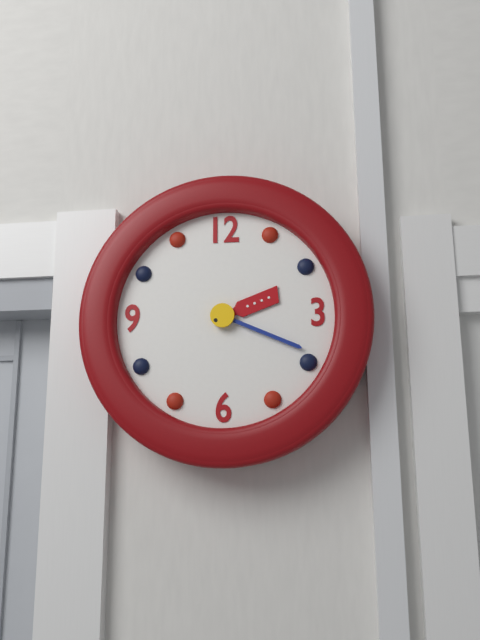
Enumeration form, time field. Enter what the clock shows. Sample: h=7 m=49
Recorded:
h=2 m=19
